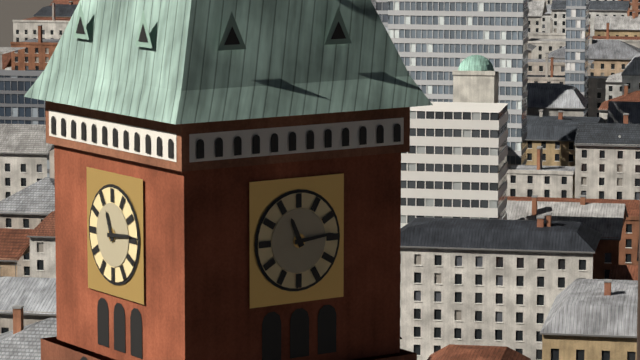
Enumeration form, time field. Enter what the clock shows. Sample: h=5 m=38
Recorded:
h=11 m=14
